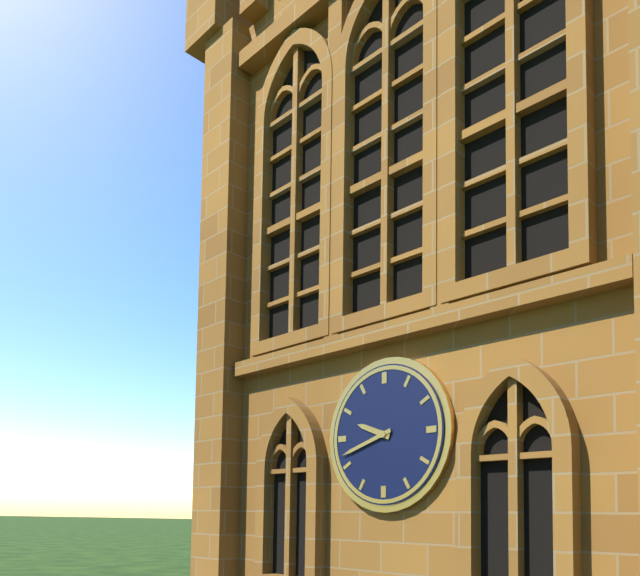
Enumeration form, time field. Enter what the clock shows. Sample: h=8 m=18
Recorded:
h=9 m=42
